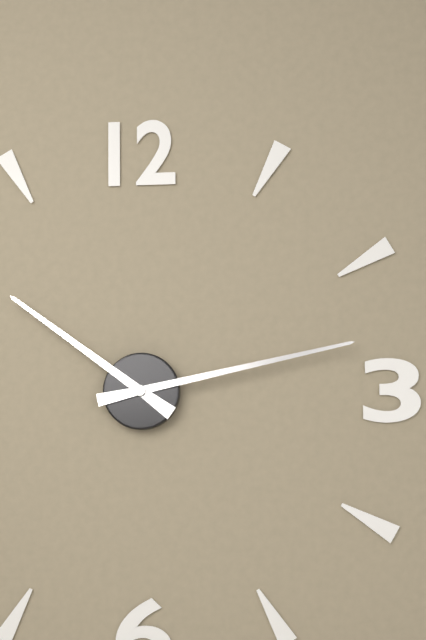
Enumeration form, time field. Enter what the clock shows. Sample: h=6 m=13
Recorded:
h=10 m=13
